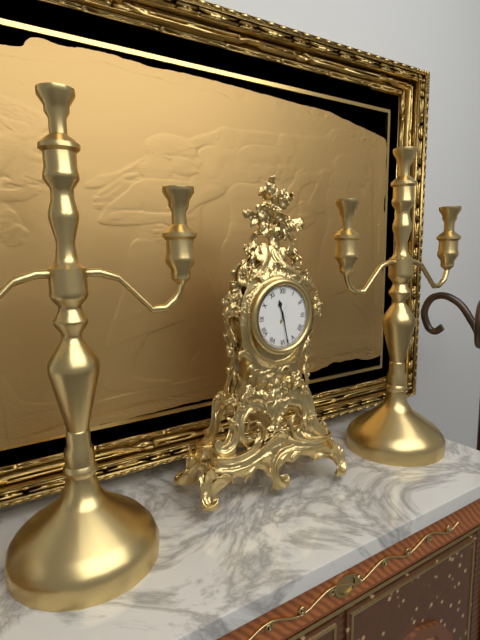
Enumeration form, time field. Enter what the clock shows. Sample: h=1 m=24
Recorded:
h=11 m=28
